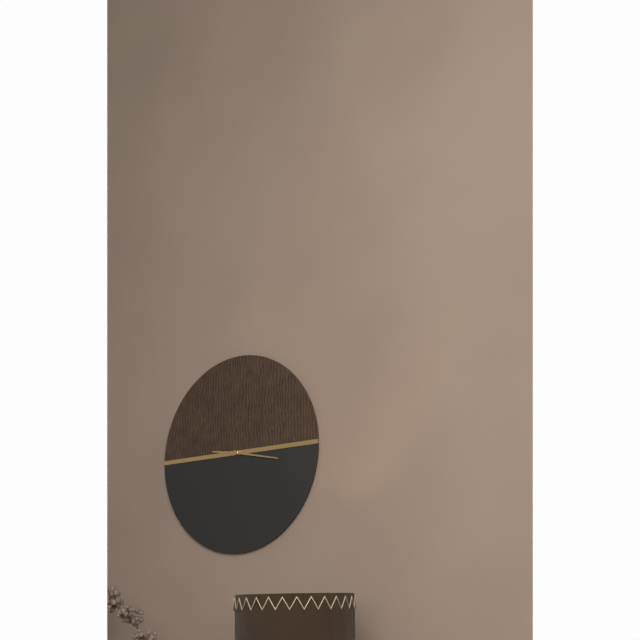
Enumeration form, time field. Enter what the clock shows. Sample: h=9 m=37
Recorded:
h=9 m=17
